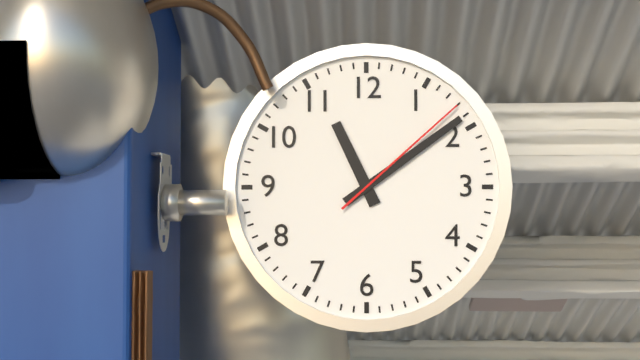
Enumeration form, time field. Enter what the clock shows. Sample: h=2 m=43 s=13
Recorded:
h=11 m=9 s=8
